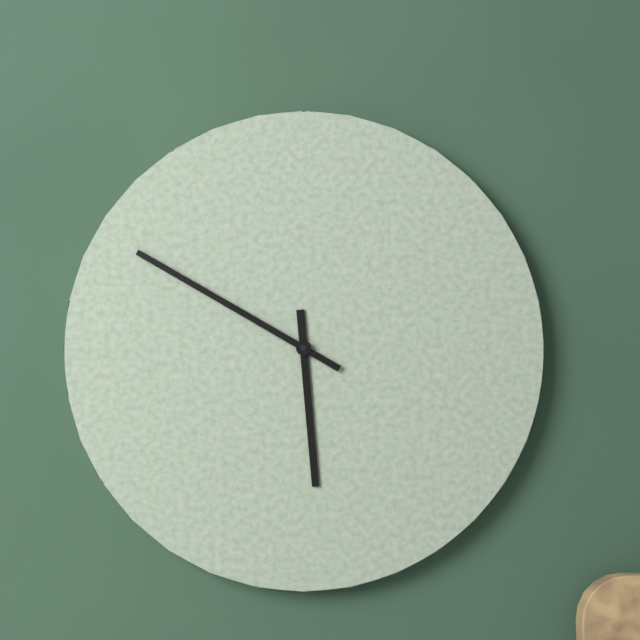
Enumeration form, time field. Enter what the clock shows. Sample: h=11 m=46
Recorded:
h=5 m=50
